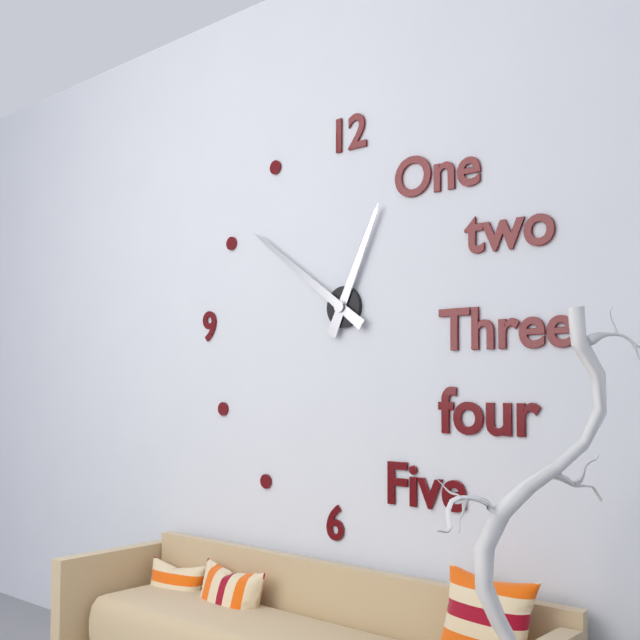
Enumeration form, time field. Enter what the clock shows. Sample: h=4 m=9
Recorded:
h=12 m=51
